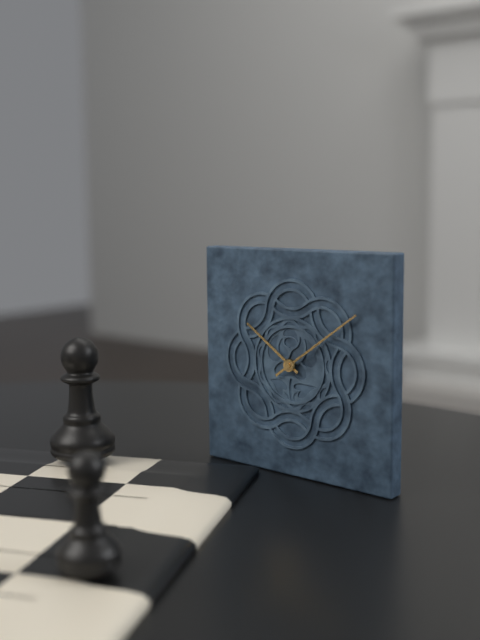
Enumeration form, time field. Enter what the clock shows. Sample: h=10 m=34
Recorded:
h=10 m=9
